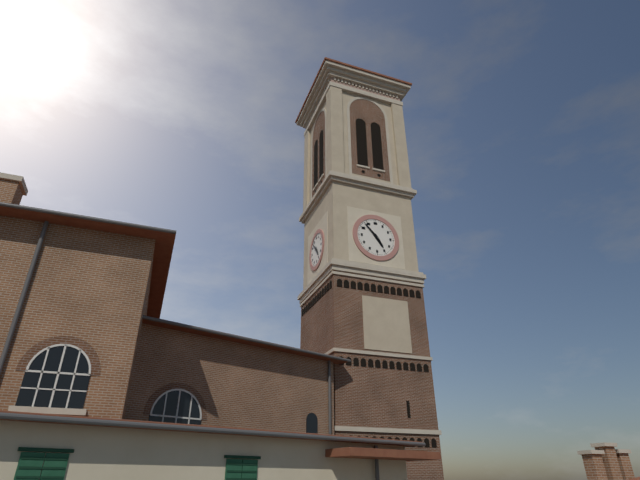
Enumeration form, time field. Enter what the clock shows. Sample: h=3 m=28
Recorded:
h=4 m=53
